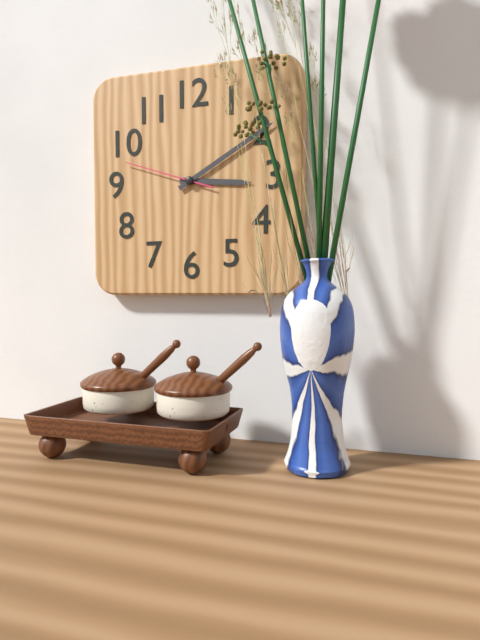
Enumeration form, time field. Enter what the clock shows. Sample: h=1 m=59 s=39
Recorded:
h=3 m=10 s=48
